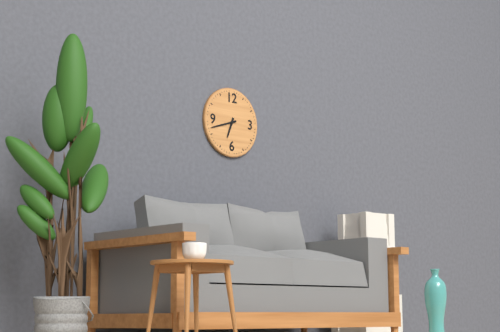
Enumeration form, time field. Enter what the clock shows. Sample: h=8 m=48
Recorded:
h=6 m=42
